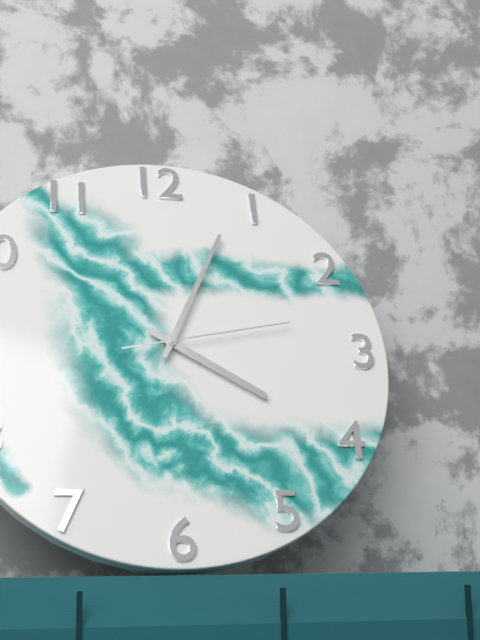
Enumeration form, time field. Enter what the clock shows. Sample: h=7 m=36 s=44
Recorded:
h=4 m=4 s=13
